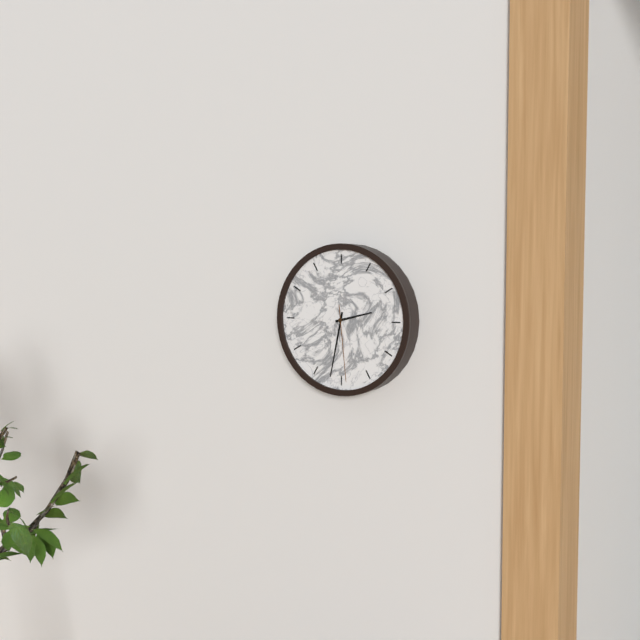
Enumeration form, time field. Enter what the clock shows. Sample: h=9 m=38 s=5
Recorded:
h=2 m=32 s=29
